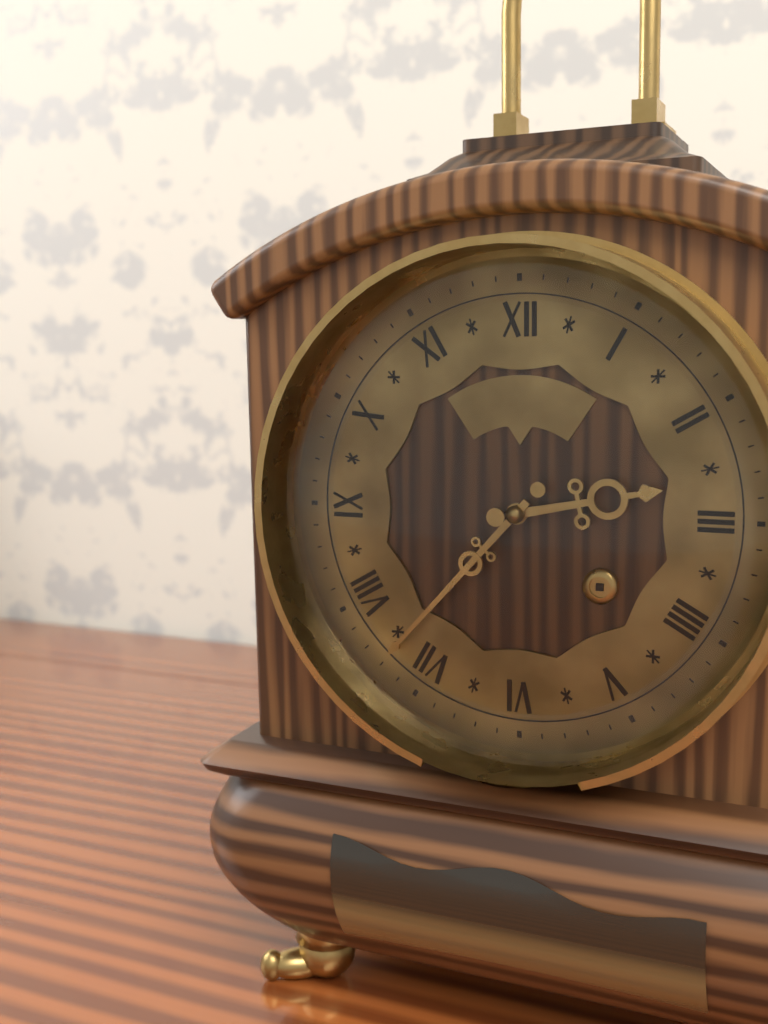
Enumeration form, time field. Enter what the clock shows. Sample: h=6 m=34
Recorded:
h=2 m=37
